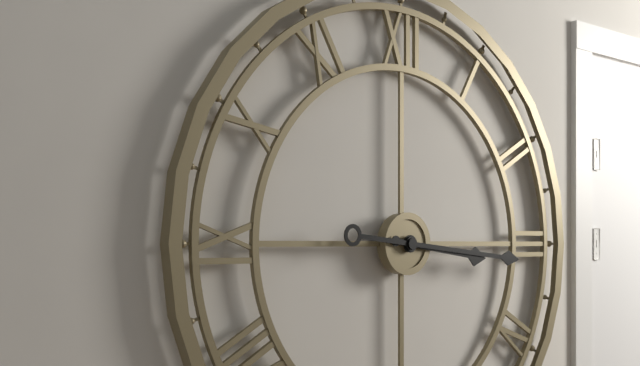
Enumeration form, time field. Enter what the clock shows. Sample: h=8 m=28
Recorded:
h=3 m=16
